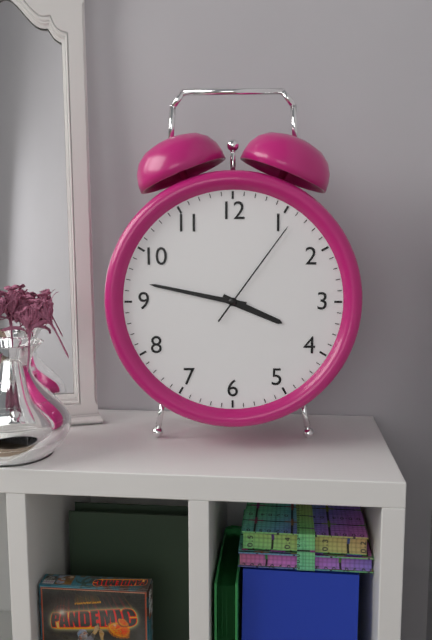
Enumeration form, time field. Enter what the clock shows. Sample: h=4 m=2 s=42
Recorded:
h=3 m=47 s=6
